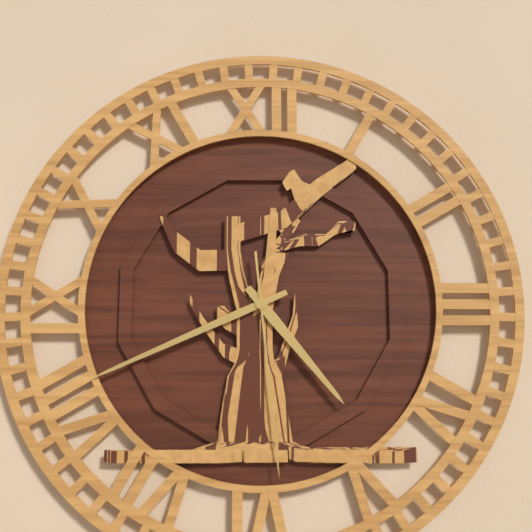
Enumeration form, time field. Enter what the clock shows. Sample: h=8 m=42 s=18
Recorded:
h=4 m=41 s=29
